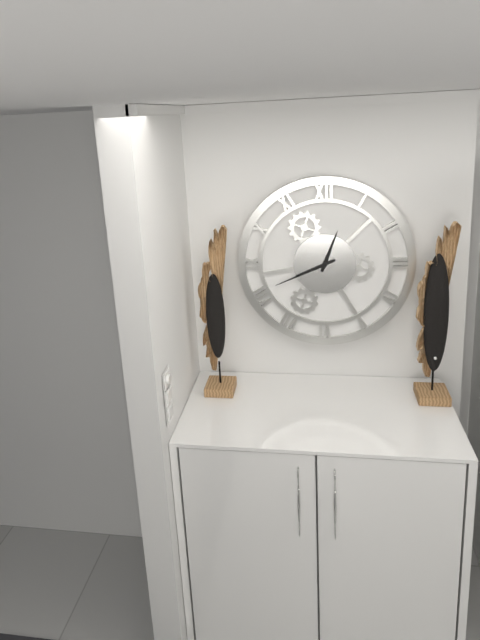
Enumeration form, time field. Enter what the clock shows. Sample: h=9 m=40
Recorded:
h=12 m=41
